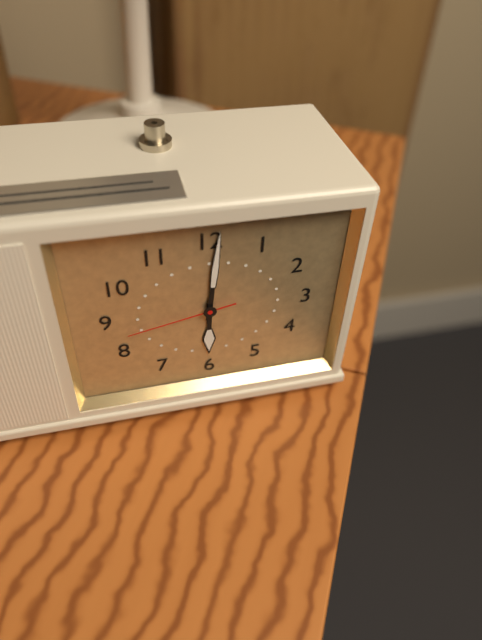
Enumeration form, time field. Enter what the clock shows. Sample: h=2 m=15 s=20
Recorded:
h=6 m=1 s=43
